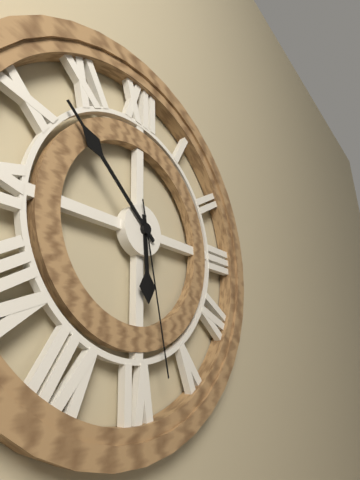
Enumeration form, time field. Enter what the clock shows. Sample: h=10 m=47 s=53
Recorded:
h=5 m=52 s=28
